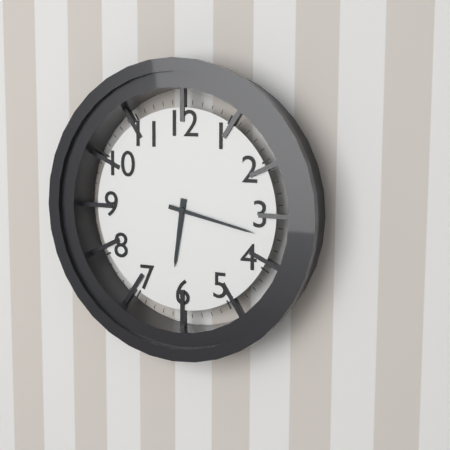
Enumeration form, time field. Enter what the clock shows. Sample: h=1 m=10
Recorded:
h=6 m=17
